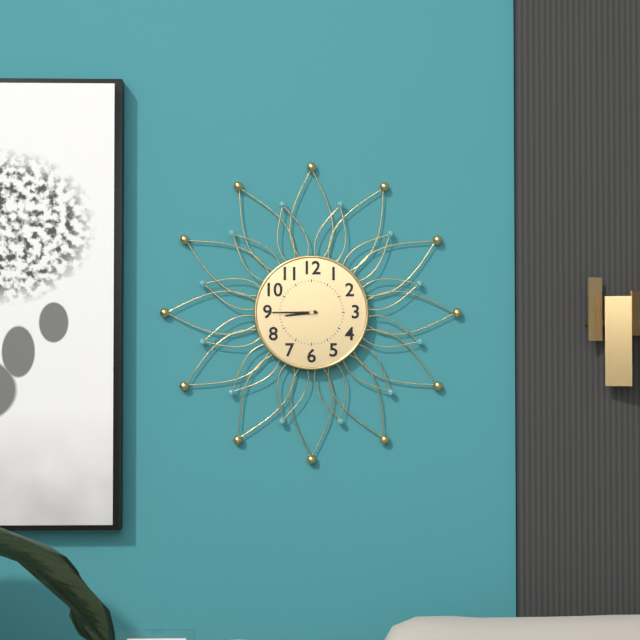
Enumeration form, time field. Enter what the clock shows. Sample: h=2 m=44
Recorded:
h=8 m=45
